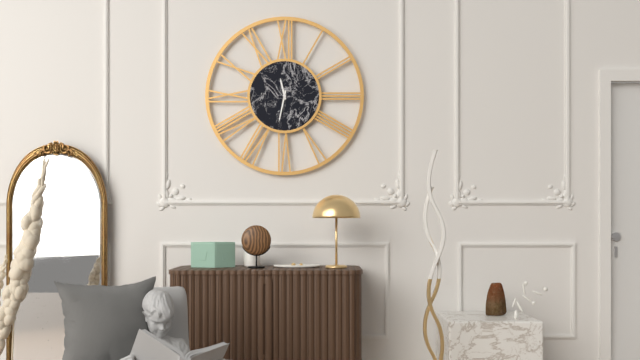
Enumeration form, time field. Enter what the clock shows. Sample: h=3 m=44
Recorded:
h=11 m=32
